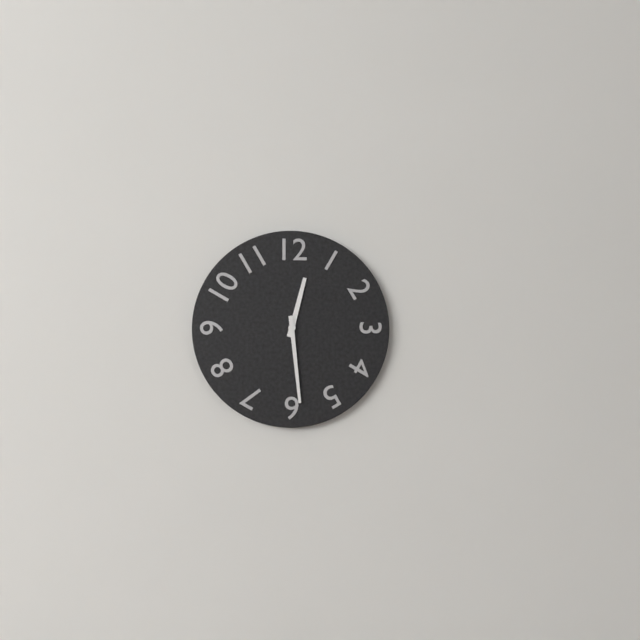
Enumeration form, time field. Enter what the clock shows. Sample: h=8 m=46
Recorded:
h=12 m=29
